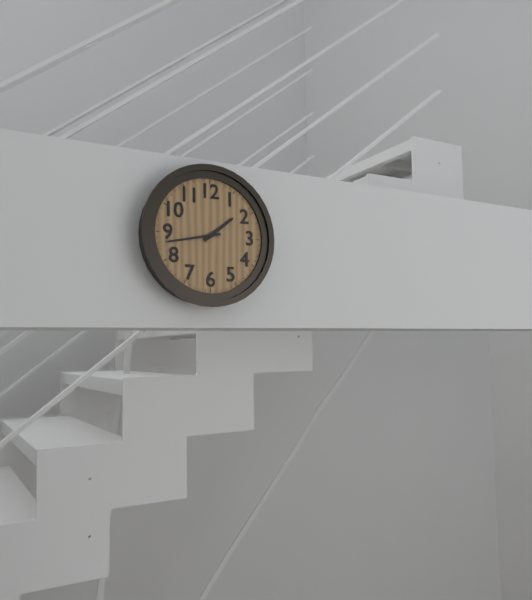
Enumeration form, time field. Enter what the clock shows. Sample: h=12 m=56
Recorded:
h=1 m=43
